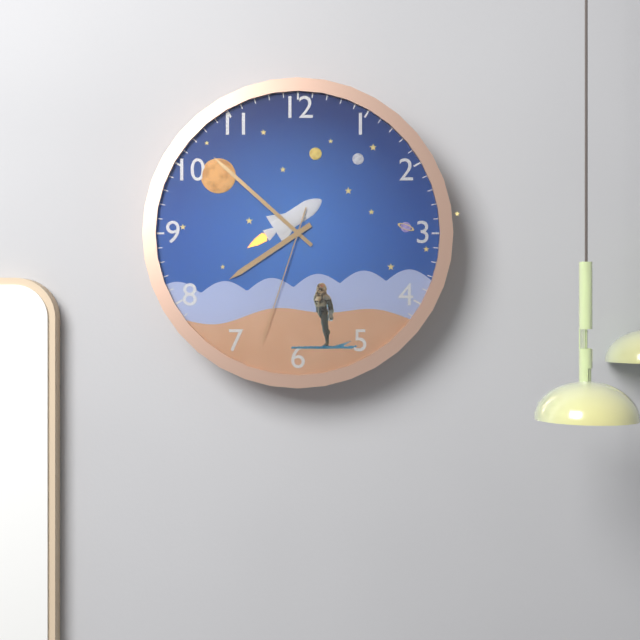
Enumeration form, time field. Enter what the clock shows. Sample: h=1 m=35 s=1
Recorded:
h=7 m=52 s=33
